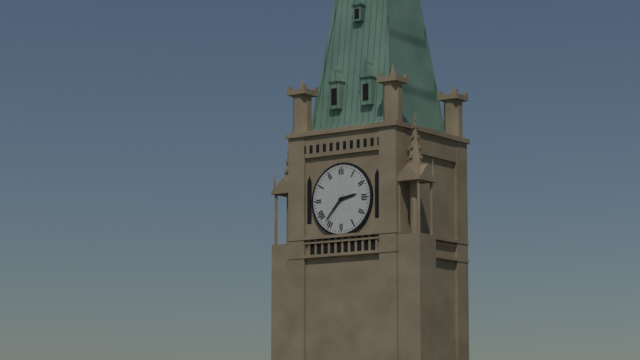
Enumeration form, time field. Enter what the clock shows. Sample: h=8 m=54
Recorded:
h=2 m=37
